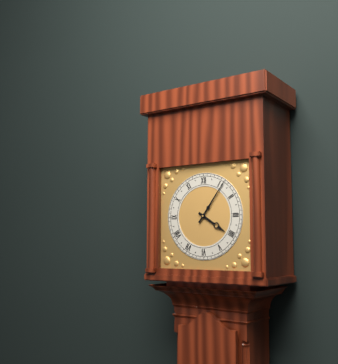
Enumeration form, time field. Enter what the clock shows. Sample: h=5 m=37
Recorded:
h=4 m=6
